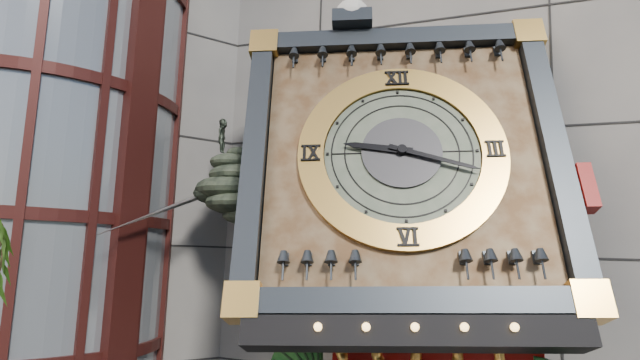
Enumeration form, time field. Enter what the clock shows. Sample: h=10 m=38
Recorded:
h=9 m=18
